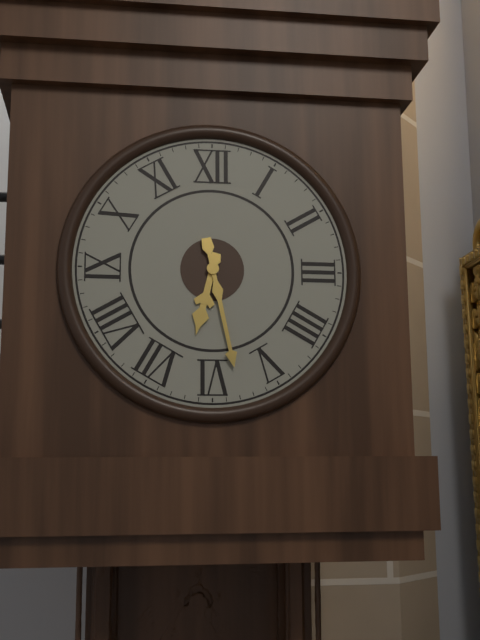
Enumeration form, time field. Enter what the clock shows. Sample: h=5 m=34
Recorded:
h=6 m=28
